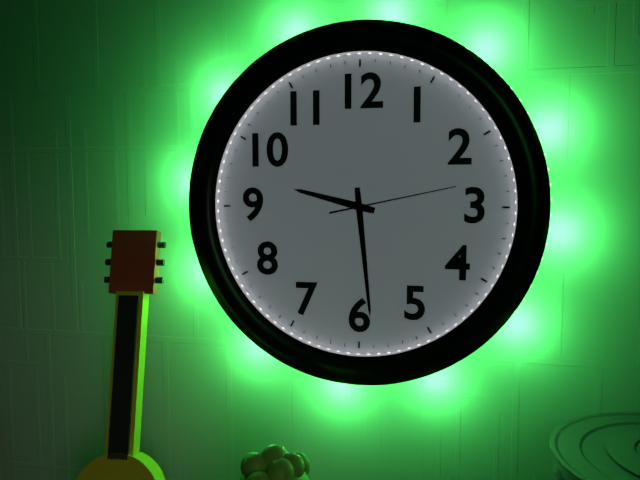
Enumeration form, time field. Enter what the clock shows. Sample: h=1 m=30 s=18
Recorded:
h=9 m=29 s=13
